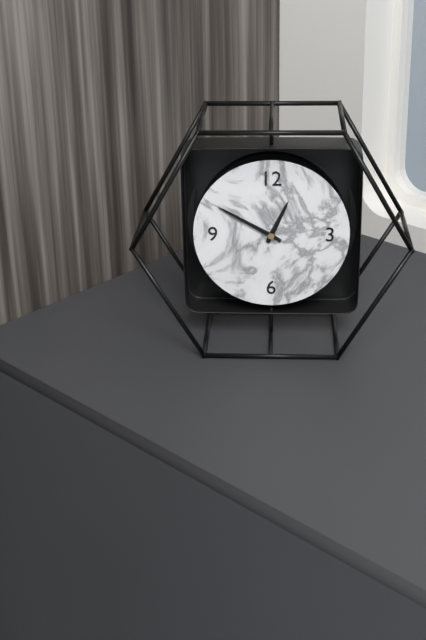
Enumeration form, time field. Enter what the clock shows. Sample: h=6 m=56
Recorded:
h=12 m=50
